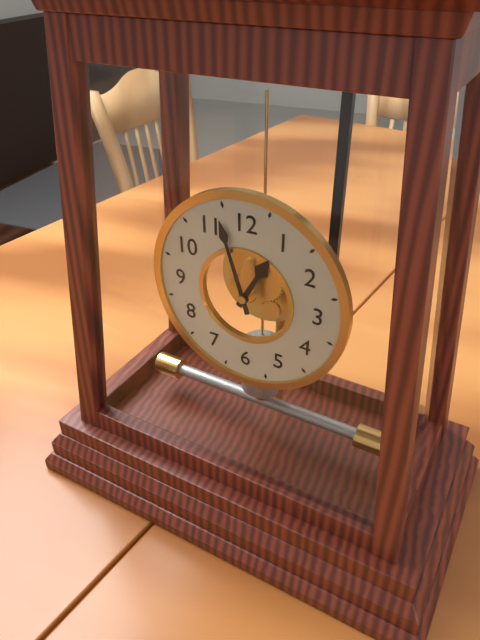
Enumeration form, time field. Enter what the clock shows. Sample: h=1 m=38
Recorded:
h=12 m=57
